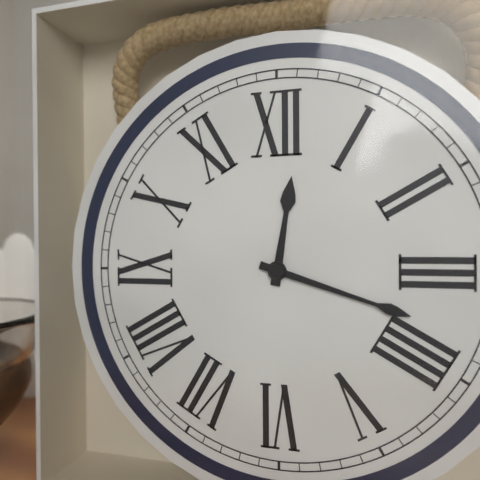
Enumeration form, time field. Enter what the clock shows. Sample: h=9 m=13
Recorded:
h=12 m=18
